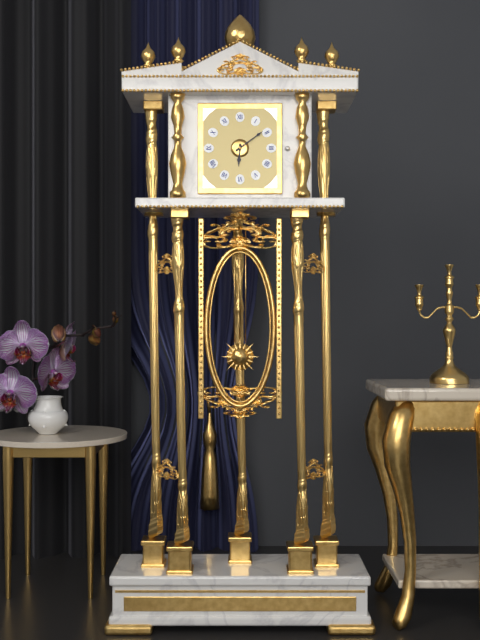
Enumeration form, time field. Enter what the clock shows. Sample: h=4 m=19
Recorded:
h=6 m=9
